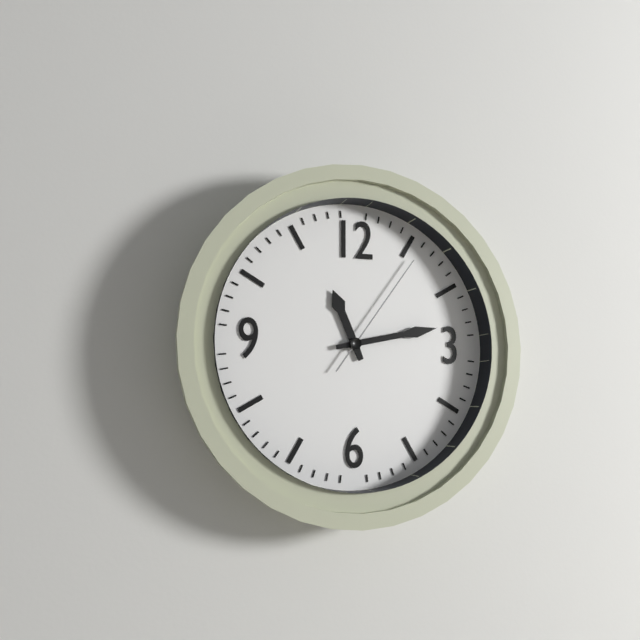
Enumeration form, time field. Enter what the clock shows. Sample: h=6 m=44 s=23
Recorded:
h=11 m=13 s=6
